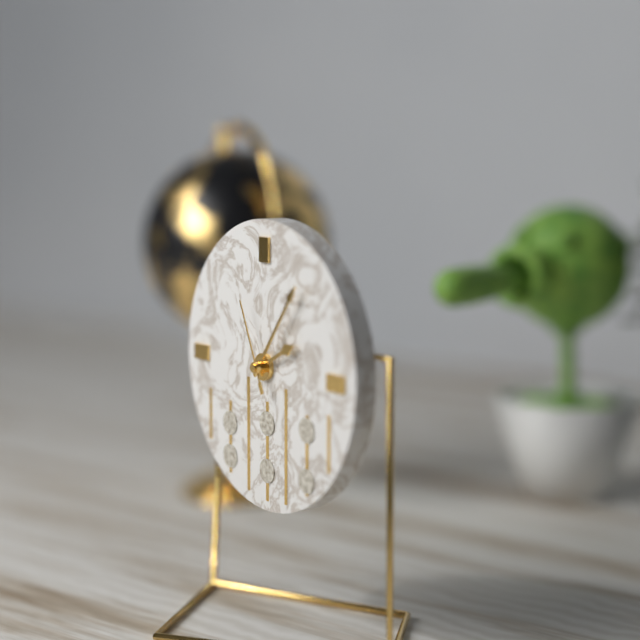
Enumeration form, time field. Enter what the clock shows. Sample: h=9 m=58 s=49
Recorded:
h=2 m=6 s=56
